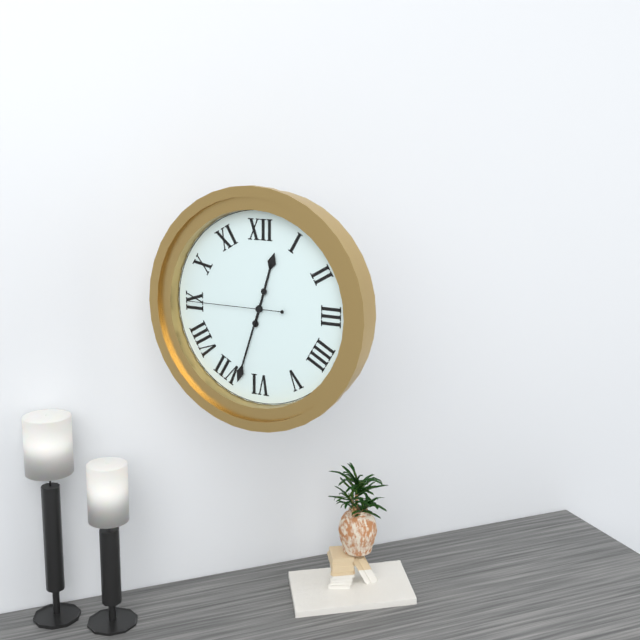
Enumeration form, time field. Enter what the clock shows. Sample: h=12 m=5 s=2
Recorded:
h=12 m=33 s=45
